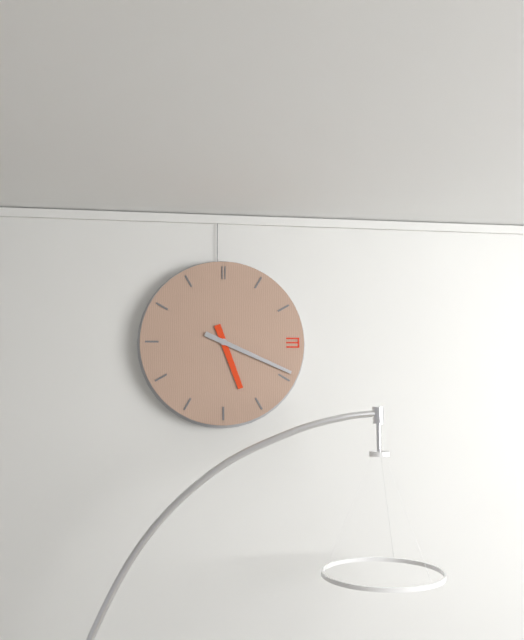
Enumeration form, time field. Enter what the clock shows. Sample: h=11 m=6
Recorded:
h=5 m=19
